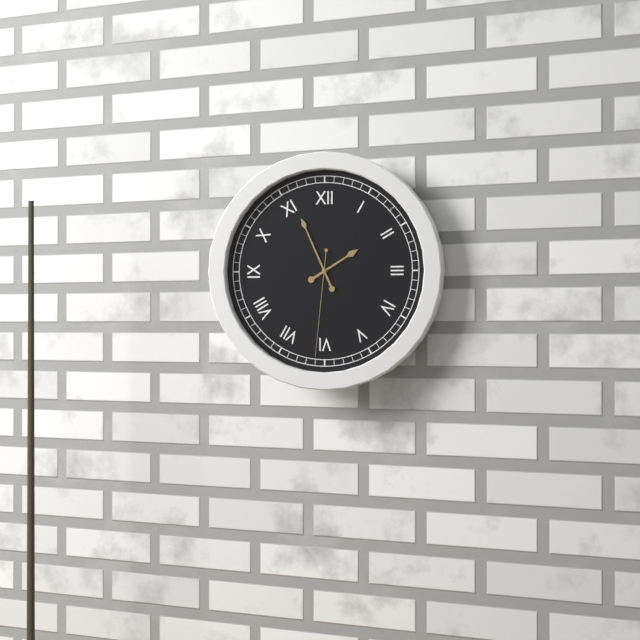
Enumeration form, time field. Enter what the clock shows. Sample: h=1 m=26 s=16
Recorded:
h=1 m=56 s=31
